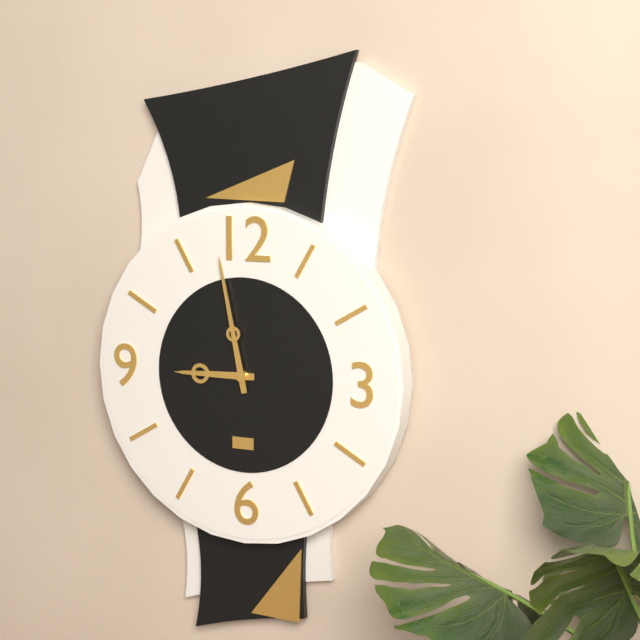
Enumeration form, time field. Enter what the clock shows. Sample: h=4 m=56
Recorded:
h=8 m=58
